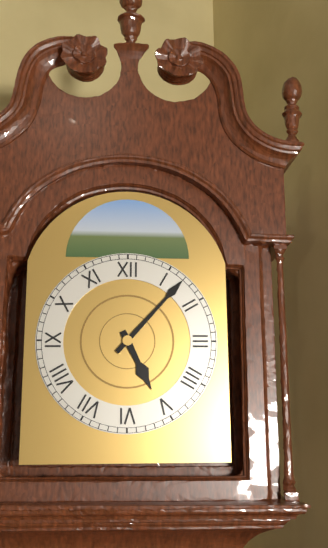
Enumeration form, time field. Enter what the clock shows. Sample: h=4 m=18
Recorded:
h=5 m=7
